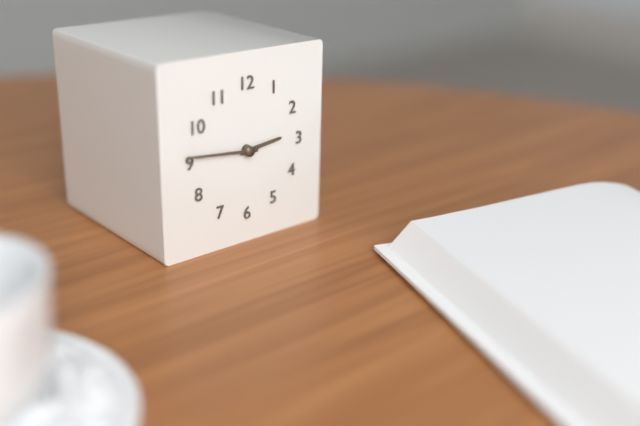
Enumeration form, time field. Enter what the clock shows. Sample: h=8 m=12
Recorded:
h=2 m=46
